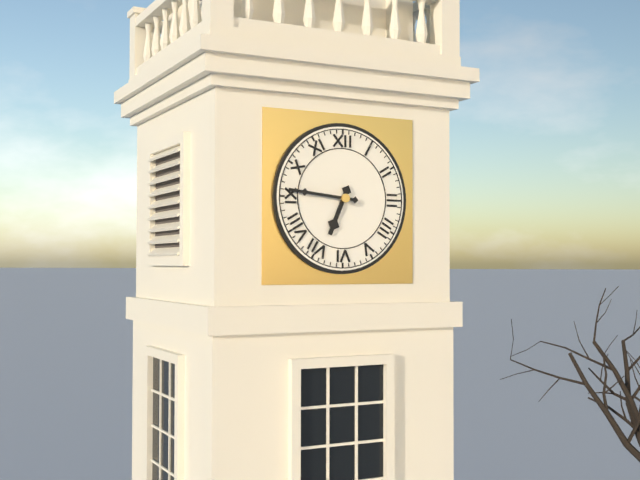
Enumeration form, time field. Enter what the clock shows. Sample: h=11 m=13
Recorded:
h=6 m=46
